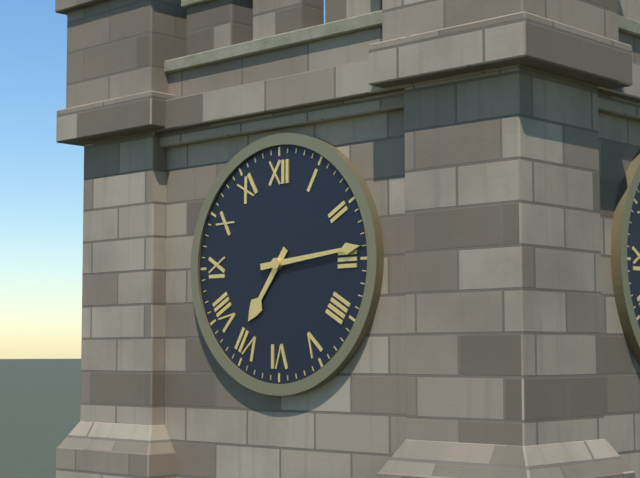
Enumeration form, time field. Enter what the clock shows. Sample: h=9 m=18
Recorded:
h=7 m=14
